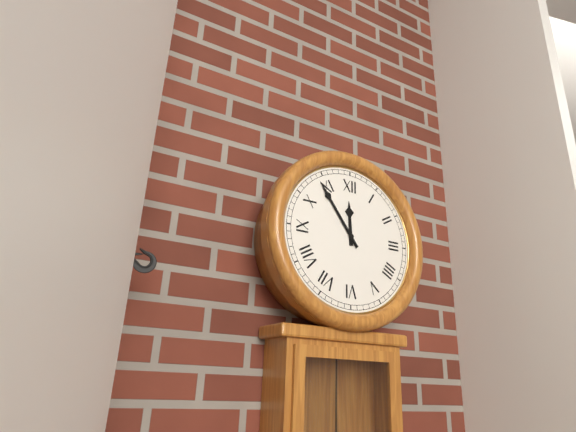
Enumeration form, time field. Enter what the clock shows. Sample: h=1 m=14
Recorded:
h=11 m=54
